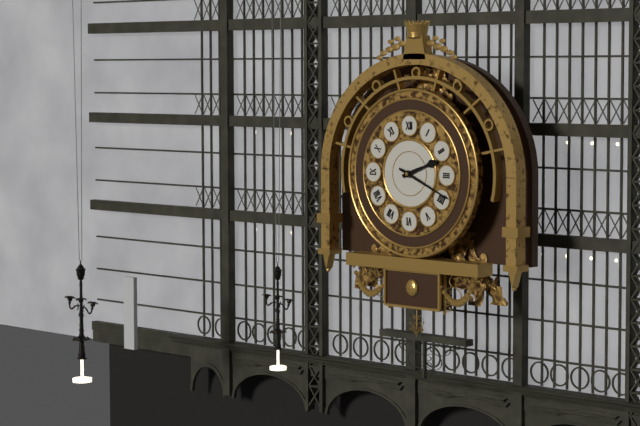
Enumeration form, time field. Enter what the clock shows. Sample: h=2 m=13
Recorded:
h=2 m=19
